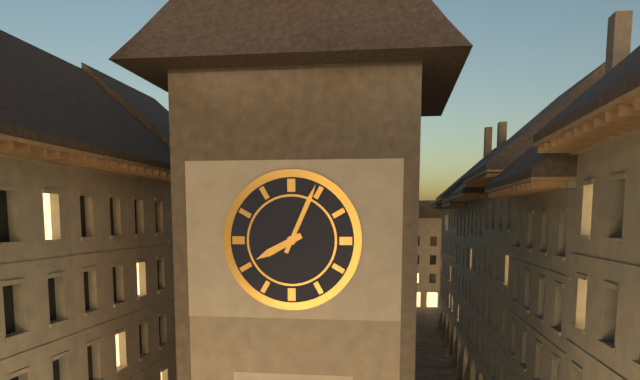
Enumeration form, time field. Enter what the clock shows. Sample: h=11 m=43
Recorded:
h=8 m=4
